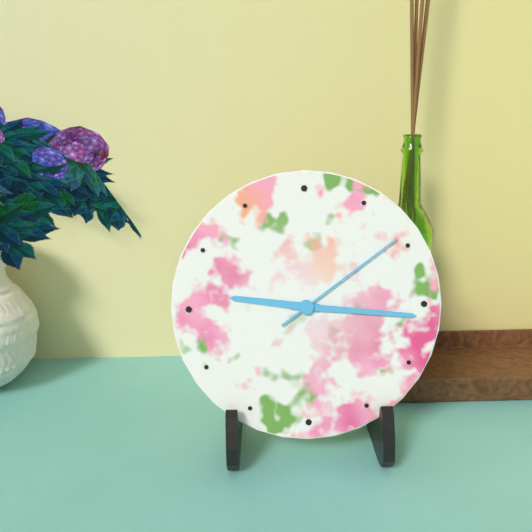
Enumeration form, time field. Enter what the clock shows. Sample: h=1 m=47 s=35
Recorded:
h=9 m=16 s=9
